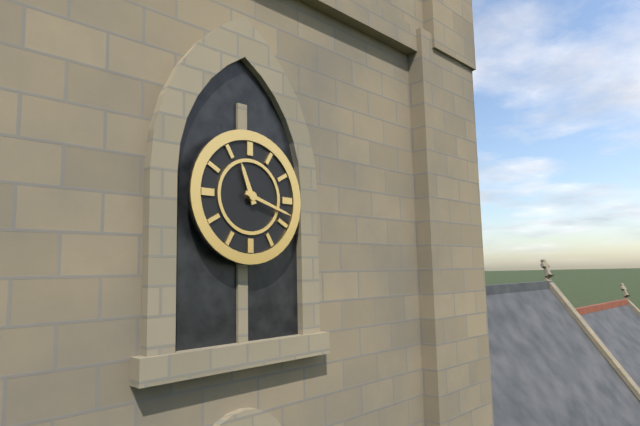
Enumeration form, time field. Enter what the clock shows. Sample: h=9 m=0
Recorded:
h=11 m=18
